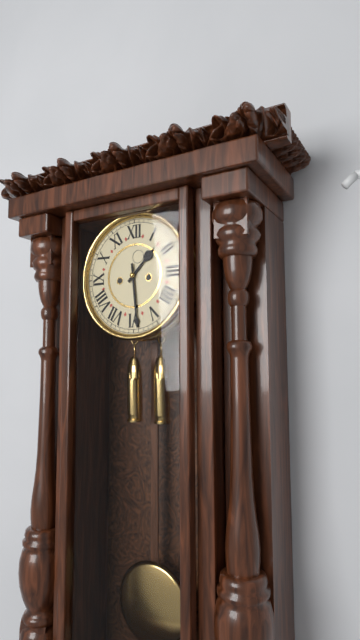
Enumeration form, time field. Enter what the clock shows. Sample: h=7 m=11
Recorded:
h=1 m=29
